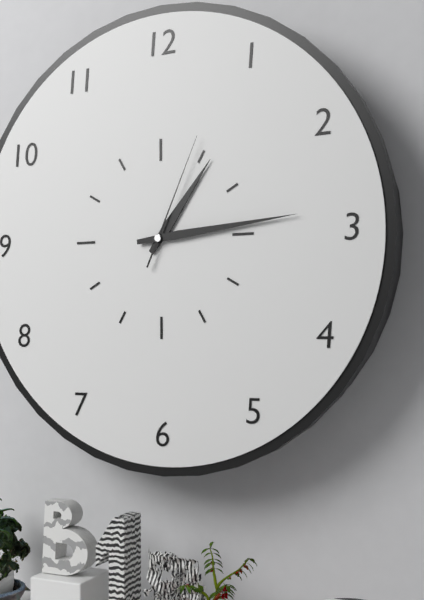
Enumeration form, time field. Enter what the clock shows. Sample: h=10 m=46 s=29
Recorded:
h=1 m=14 s=4
